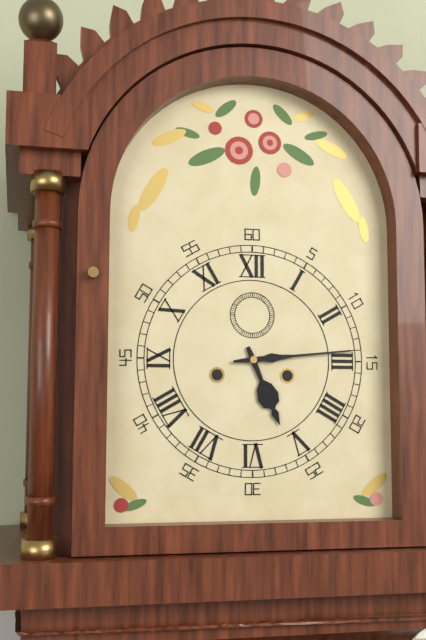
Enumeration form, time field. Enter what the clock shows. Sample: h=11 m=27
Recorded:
h=5 m=14
